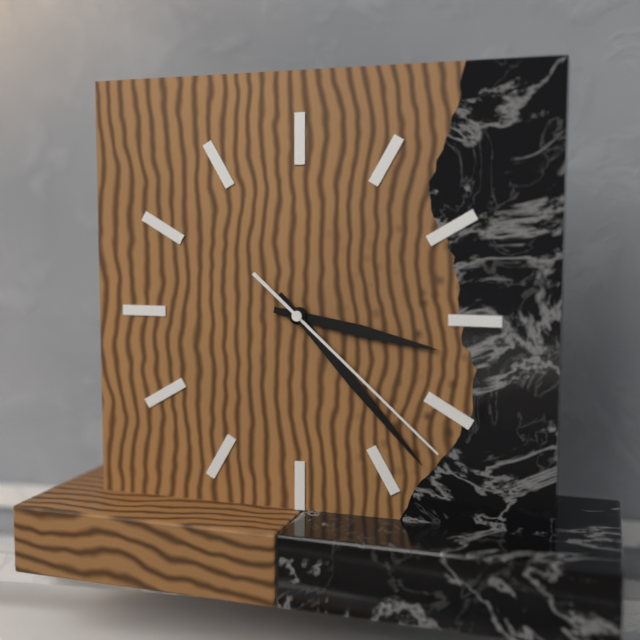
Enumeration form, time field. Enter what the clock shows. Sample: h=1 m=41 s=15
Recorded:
h=3 m=23 s=22
